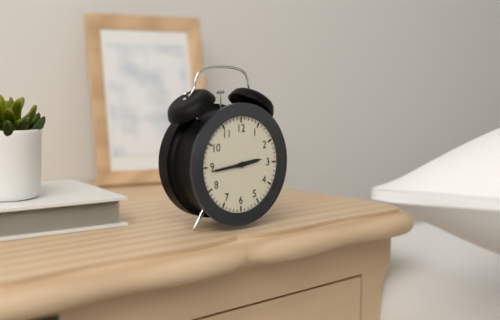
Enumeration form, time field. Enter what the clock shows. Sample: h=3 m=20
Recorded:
h=2 m=44
